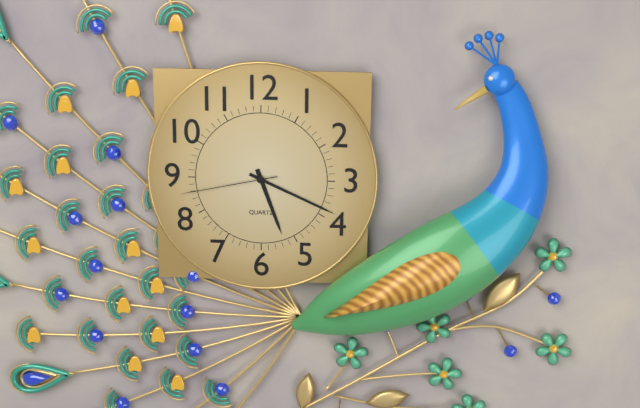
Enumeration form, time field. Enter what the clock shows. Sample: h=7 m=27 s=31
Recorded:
h=5 m=19 s=43
